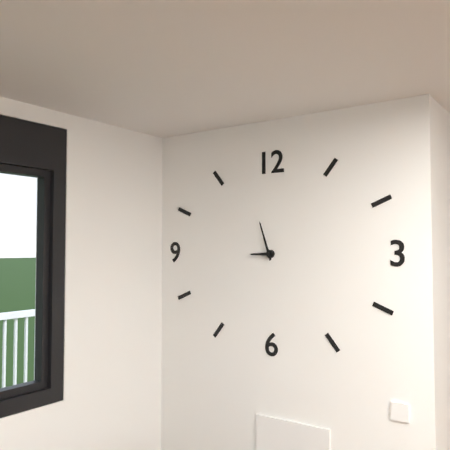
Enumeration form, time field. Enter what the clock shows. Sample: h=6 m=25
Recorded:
h=8 m=57
